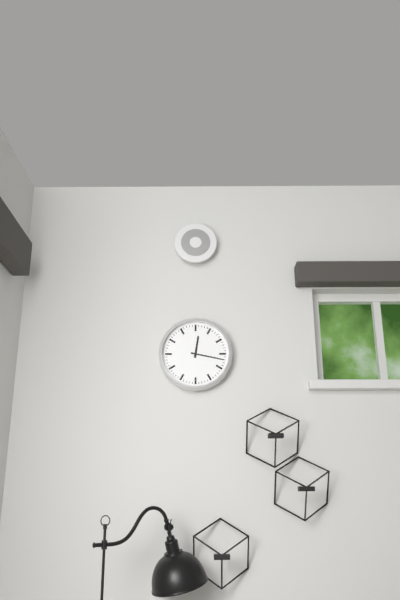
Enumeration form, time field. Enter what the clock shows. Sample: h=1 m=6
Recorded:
h=12 m=17
